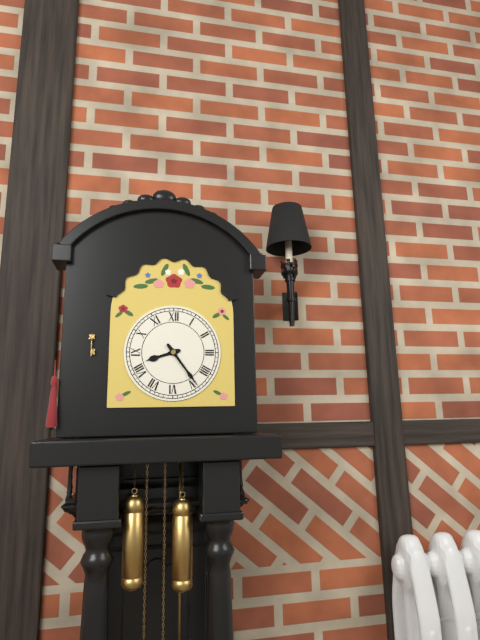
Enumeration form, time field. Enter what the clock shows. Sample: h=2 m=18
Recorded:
h=8 m=24
